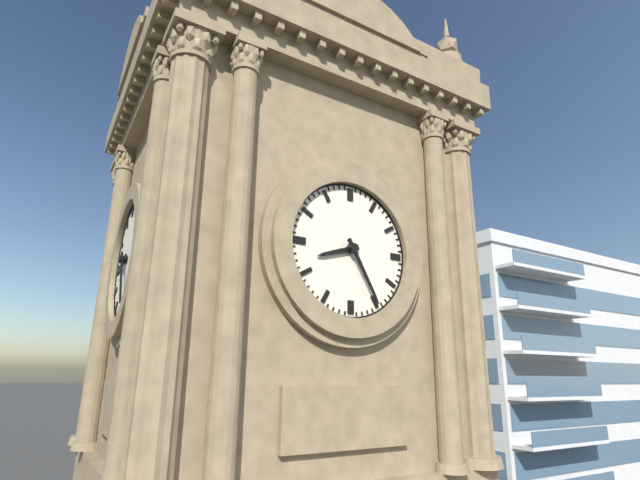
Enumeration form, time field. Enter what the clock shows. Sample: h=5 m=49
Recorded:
h=8 m=25
